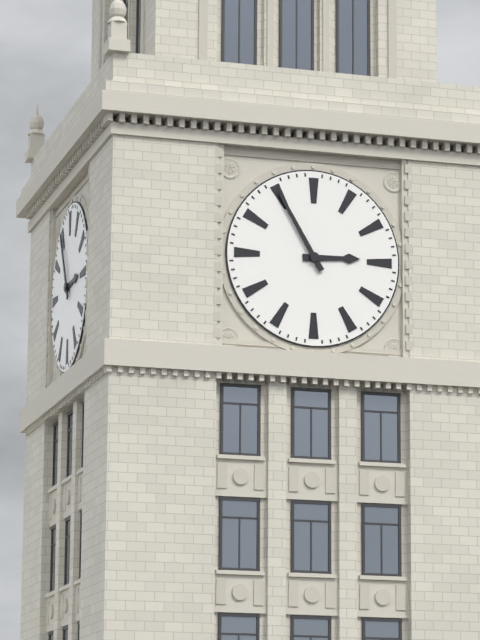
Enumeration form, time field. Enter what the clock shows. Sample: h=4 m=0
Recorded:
h=2 m=55
